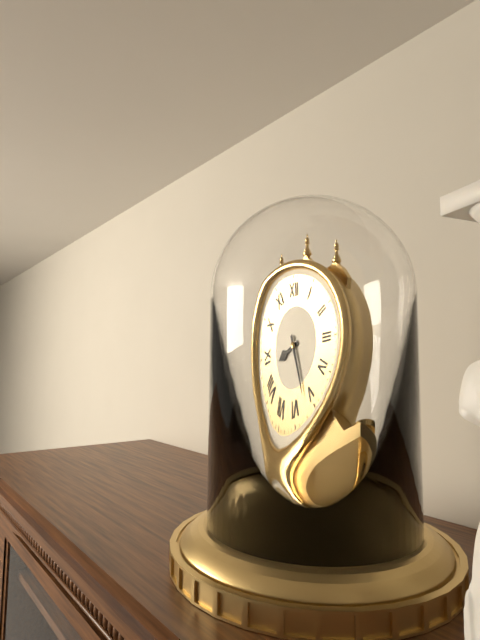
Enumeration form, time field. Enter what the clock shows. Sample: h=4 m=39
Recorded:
h=8 m=27
